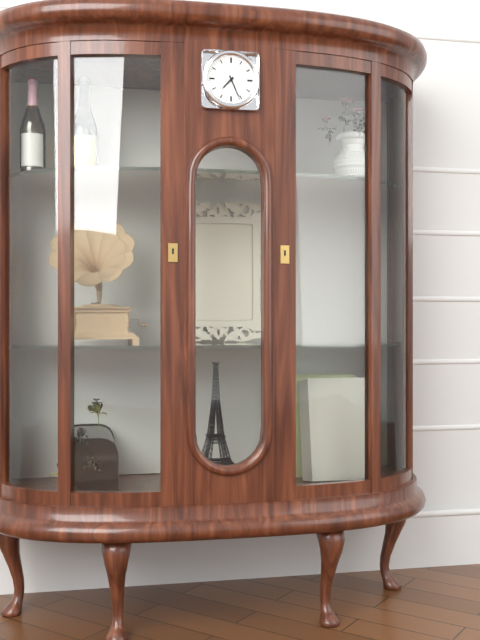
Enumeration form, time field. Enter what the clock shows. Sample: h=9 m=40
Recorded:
h=7 m=26
